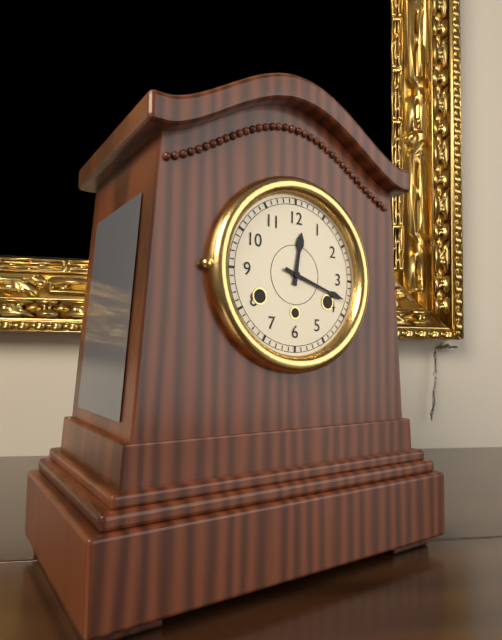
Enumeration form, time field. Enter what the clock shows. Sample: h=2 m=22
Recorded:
h=12 m=18
